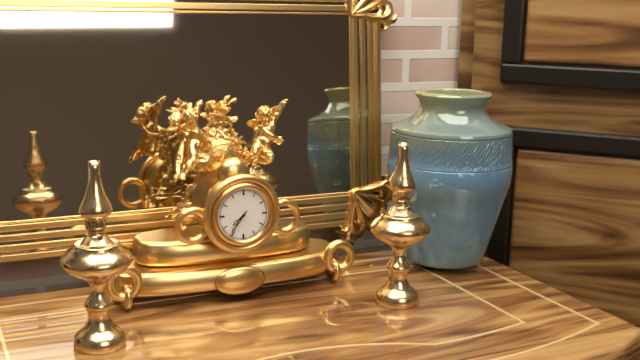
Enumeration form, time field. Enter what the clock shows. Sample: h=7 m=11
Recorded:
h=7 m=36
